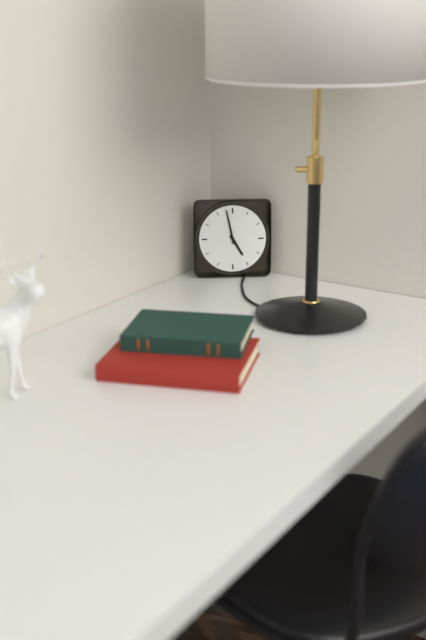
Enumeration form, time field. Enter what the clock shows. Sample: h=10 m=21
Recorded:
h=4 m=58
